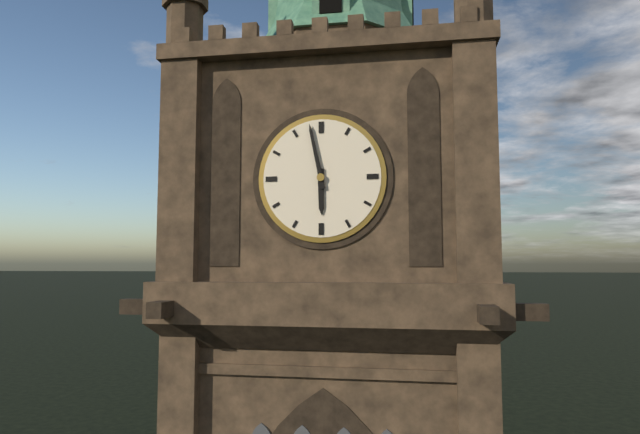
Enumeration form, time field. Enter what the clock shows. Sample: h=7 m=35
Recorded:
h=5 m=58
